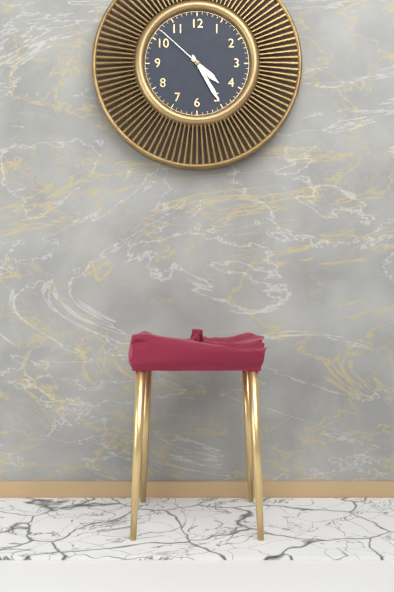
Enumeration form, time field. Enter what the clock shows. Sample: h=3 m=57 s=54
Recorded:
h=4 m=25 s=52
